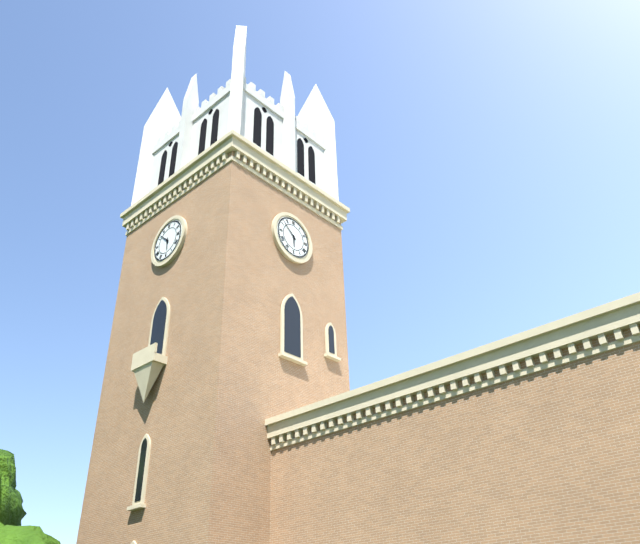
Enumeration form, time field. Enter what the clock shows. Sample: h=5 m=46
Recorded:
h=5 m=52
